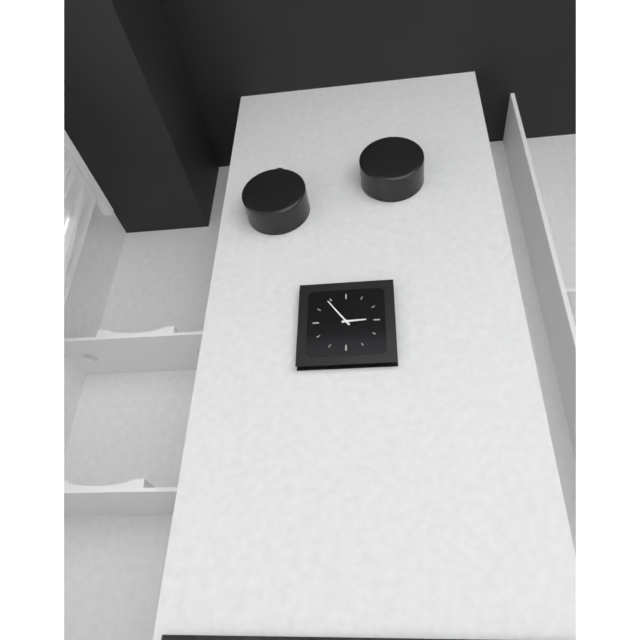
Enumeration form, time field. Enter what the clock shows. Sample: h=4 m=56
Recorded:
h=2 m=54
